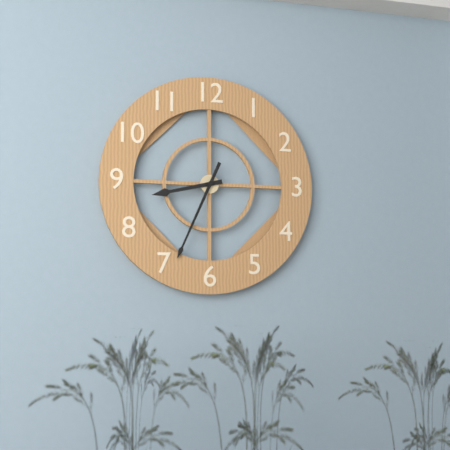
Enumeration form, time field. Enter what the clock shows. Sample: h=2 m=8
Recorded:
h=8 m=34
